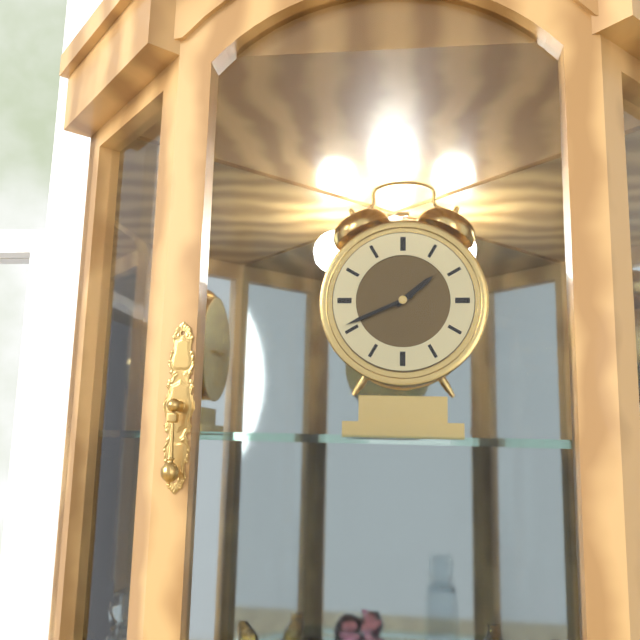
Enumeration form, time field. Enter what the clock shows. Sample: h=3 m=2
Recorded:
h=1 m=41
